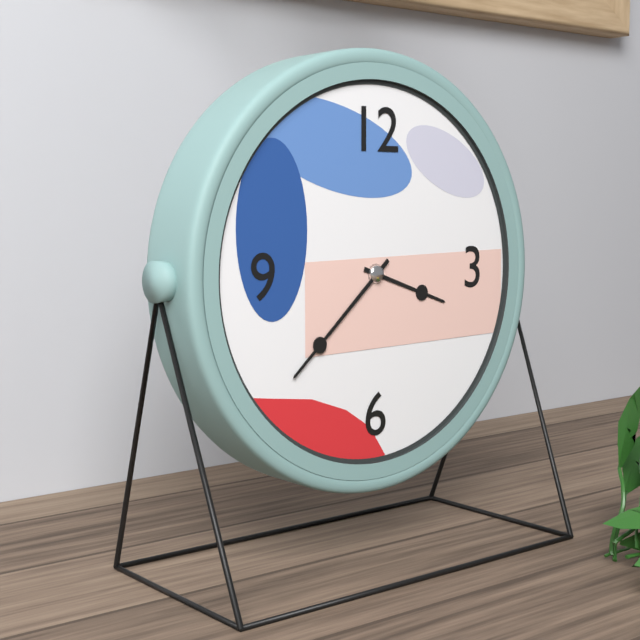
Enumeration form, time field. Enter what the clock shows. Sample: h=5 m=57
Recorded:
h=3 m=38
